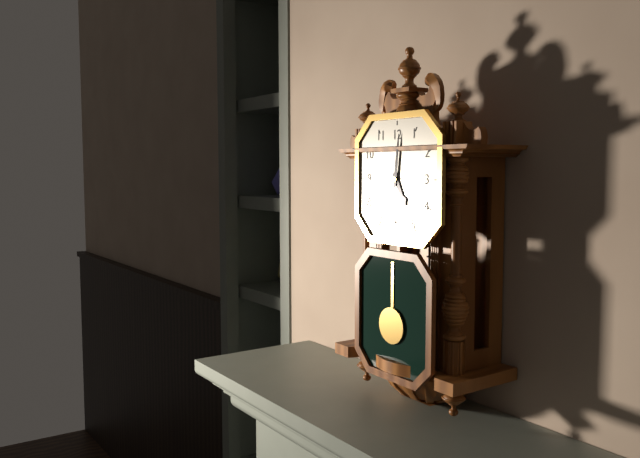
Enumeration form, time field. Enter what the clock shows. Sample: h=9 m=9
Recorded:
h=5 m=1
